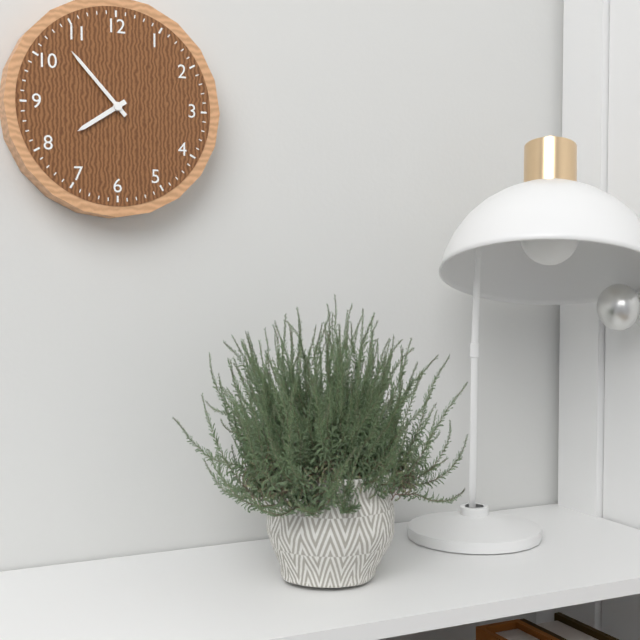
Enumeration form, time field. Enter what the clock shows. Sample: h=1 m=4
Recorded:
h=7 m=53
